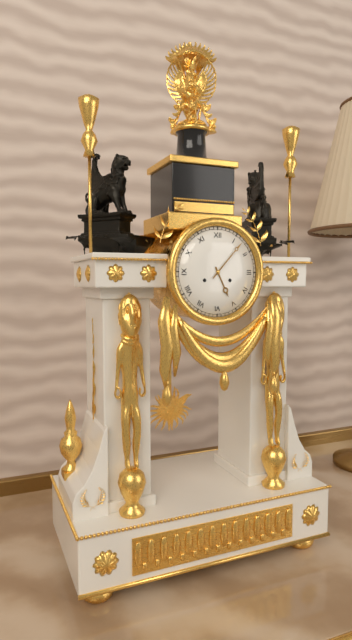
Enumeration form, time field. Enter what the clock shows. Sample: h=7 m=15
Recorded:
h=5 m=7
